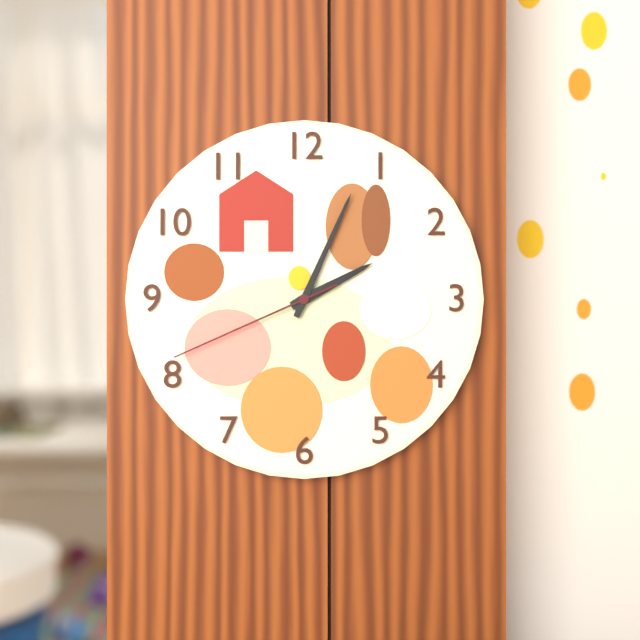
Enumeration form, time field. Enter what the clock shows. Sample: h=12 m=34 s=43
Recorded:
h=2 m=4 s=41
